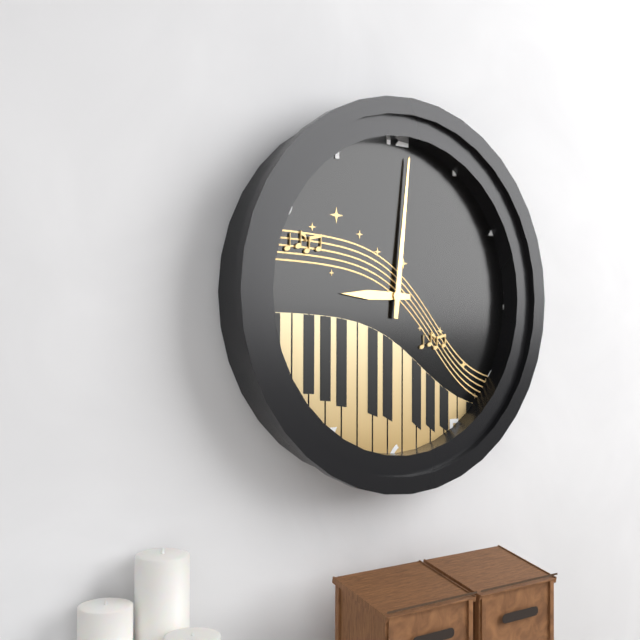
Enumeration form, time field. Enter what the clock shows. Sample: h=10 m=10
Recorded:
h=9 m=1
